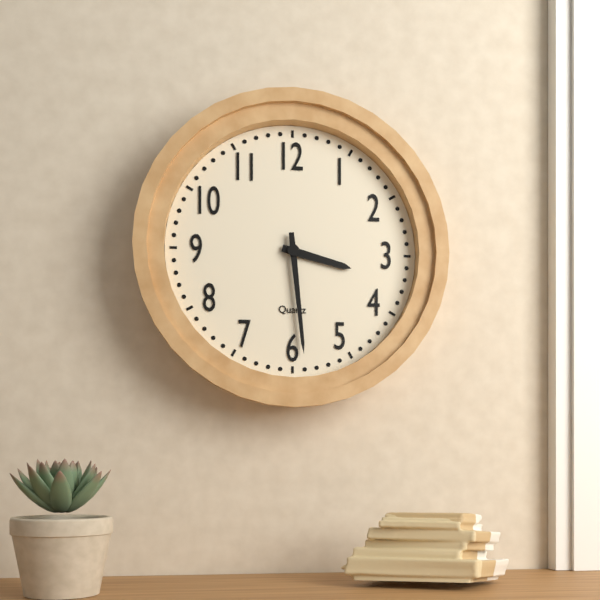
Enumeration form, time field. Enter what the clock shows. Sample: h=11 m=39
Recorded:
h=3 m=29
